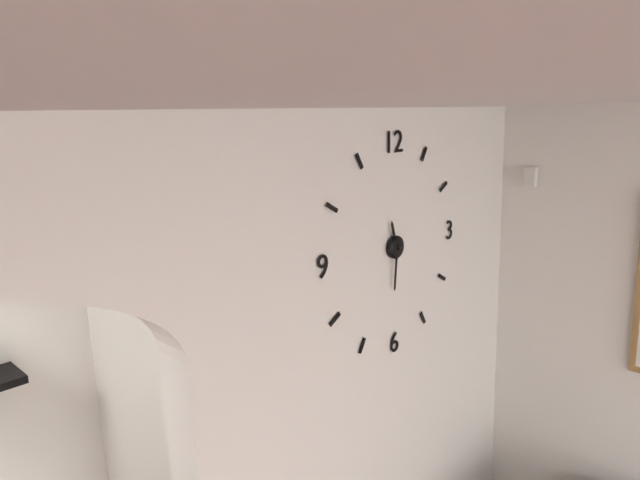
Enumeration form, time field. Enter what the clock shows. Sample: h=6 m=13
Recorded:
h=11 m=31
